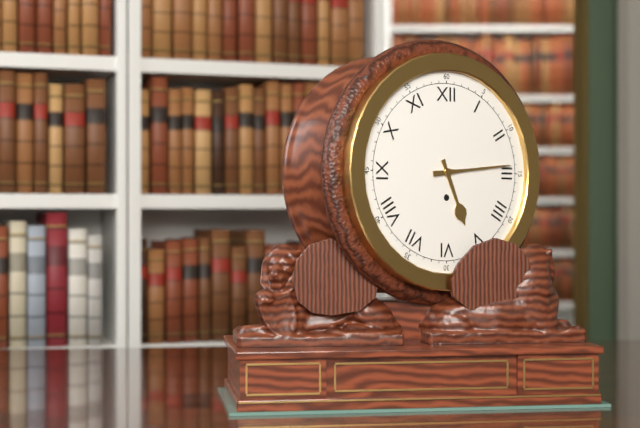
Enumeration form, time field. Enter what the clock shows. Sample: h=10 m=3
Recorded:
h=5 m=14
